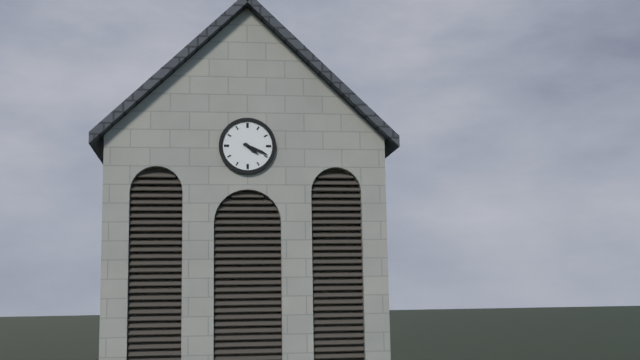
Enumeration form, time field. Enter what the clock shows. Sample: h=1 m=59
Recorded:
h=4 m=19
